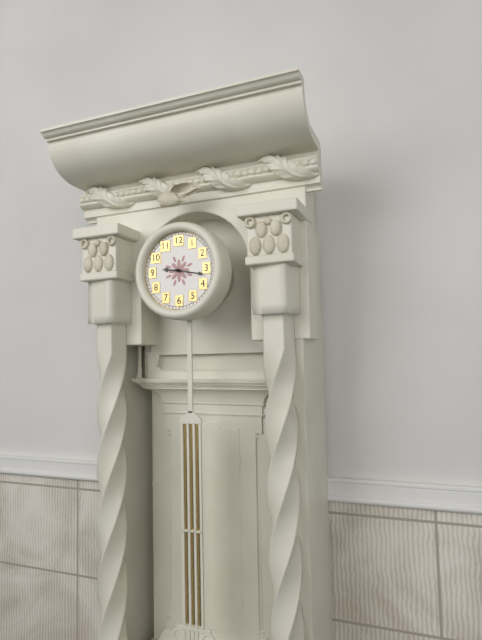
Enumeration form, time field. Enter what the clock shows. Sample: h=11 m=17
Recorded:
h=9 m=17
